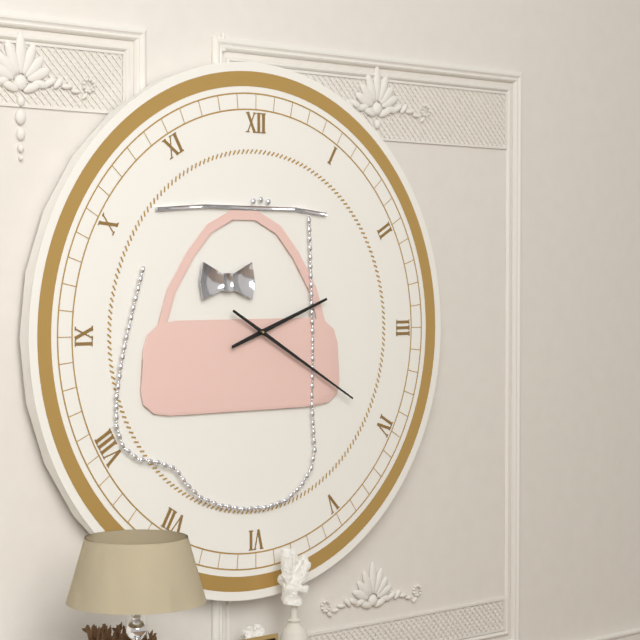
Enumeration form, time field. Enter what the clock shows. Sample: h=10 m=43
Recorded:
h=2 m=20
